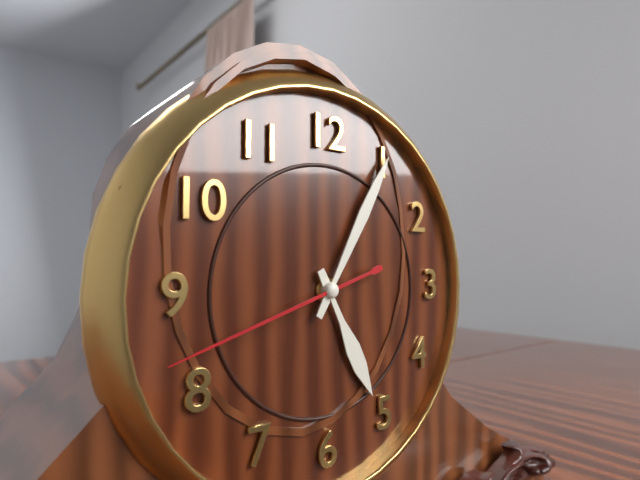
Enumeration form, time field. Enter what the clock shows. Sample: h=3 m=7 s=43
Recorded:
h=5 m=5 s=42
